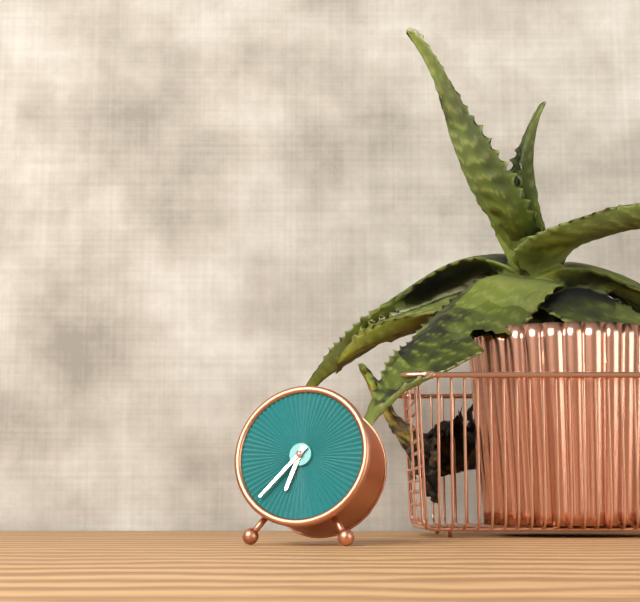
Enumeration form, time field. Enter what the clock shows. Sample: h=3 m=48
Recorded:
h=6 m=37
